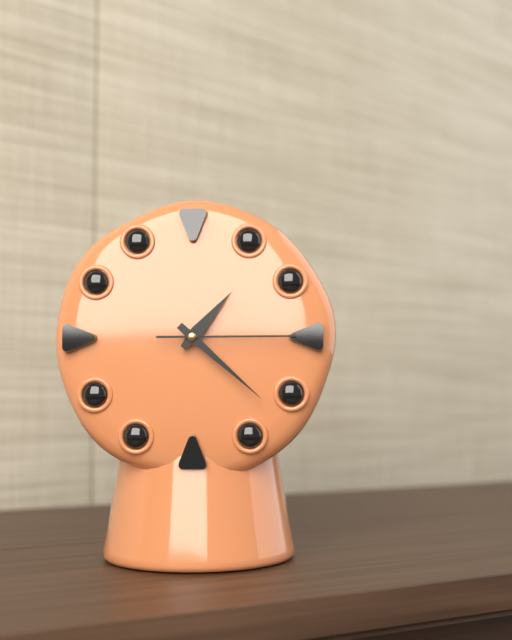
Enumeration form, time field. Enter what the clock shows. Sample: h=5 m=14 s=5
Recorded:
h=1 m=22 s=15
